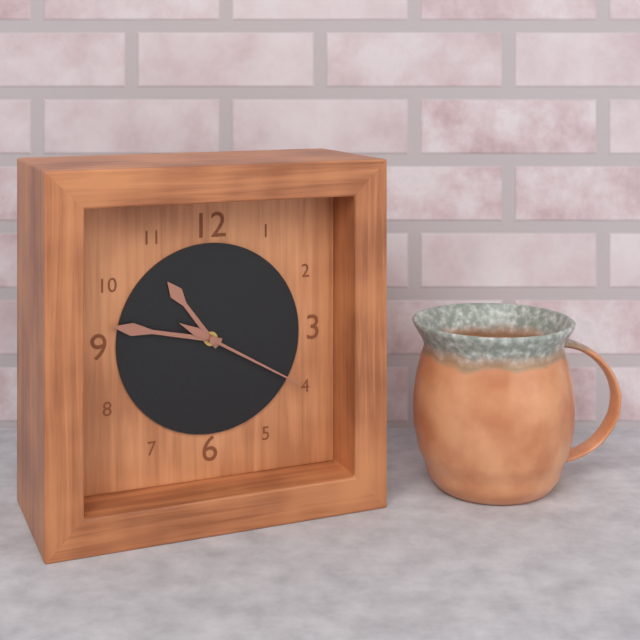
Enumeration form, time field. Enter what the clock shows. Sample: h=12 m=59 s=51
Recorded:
h=10 m=47 s=20
